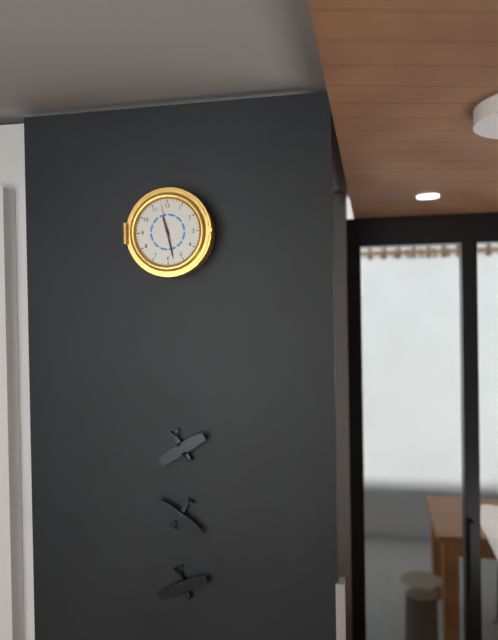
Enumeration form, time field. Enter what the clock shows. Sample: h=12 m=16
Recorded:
h=11 m=28
